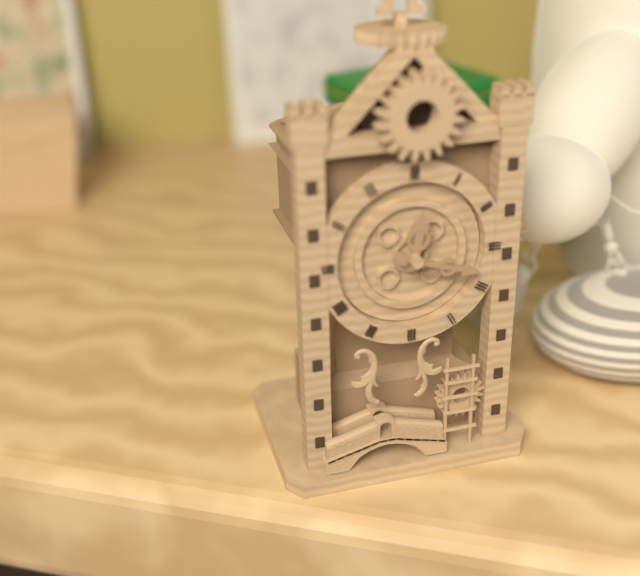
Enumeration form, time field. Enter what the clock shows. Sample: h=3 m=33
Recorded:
h=12 m=18
